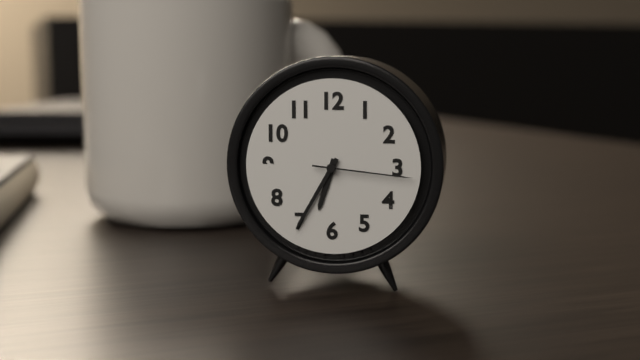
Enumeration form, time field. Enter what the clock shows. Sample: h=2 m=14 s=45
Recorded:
h=6 m=35 s=16
